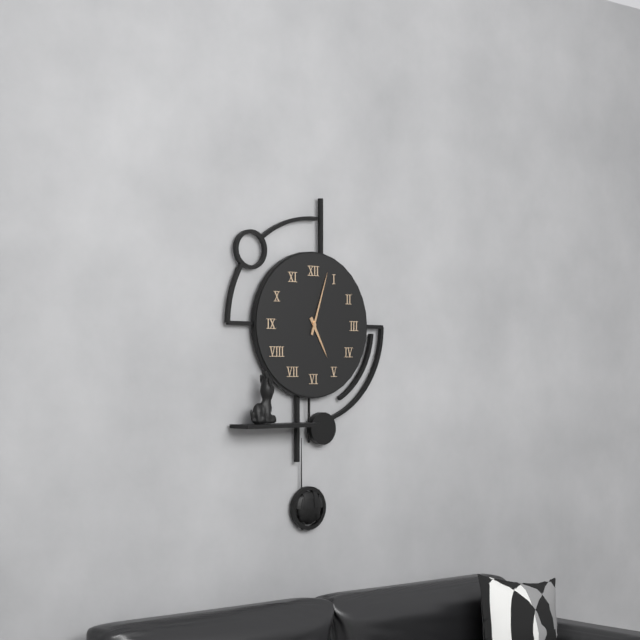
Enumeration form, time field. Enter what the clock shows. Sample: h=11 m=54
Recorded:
h=5 m=3
